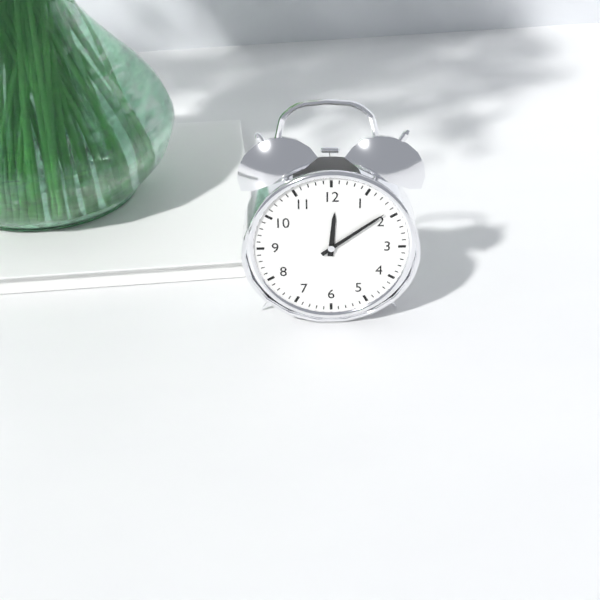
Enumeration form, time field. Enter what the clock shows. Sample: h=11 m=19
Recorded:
h=12 m=9
